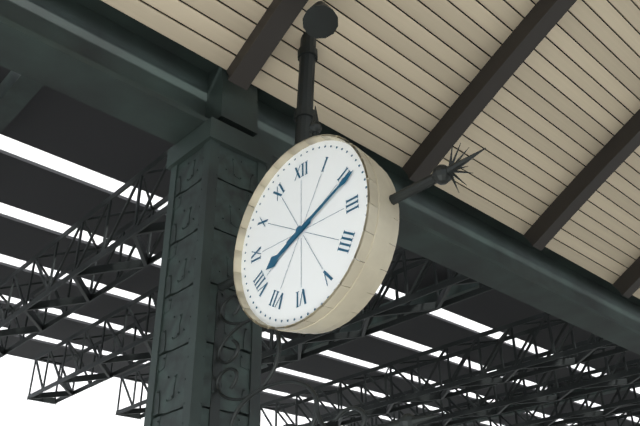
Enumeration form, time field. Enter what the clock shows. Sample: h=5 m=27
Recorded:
h=8 m=11
